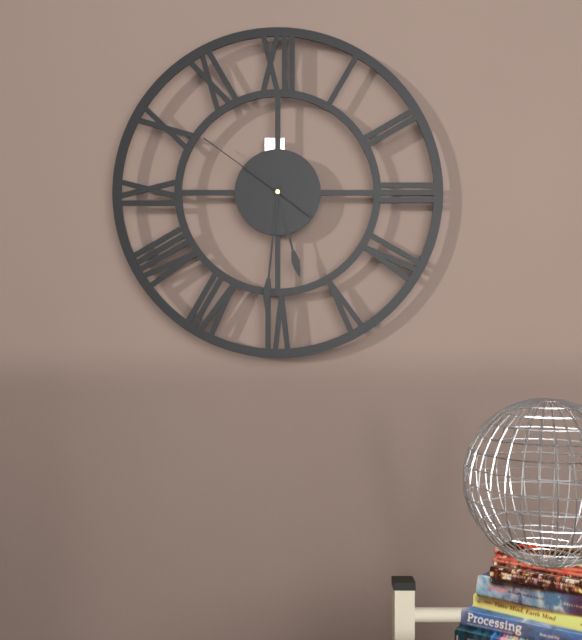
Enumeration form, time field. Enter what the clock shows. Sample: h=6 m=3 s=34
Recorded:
h=5 m=31 s=51
